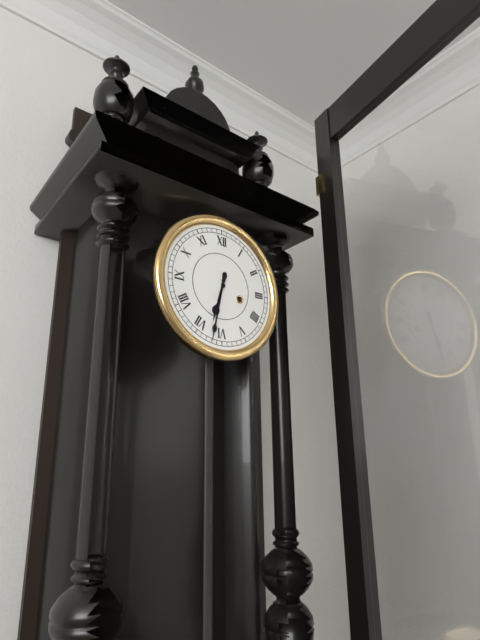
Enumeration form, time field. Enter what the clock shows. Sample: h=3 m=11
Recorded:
h=6 m=32
